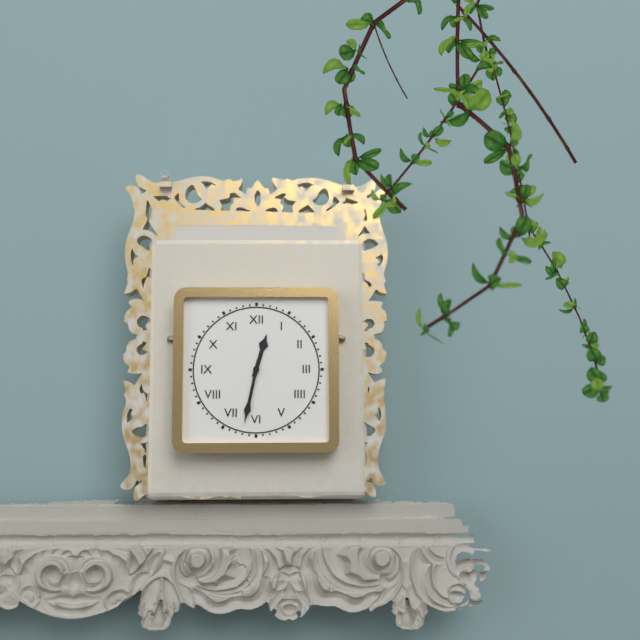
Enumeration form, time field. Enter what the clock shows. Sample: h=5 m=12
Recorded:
h=12 m=32
